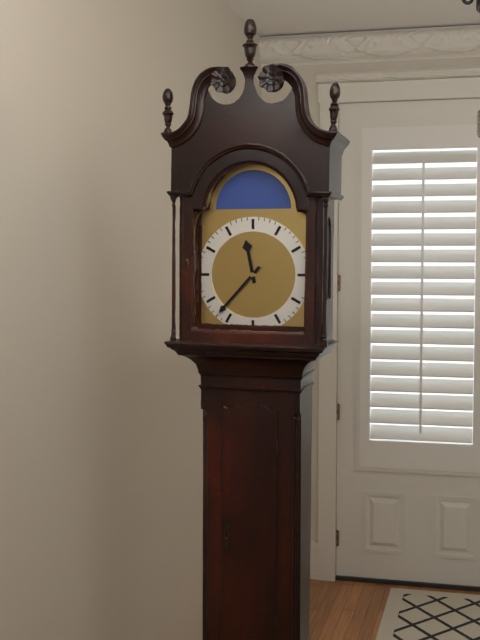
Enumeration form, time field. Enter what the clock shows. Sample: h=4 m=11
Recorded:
h=11 m=37
